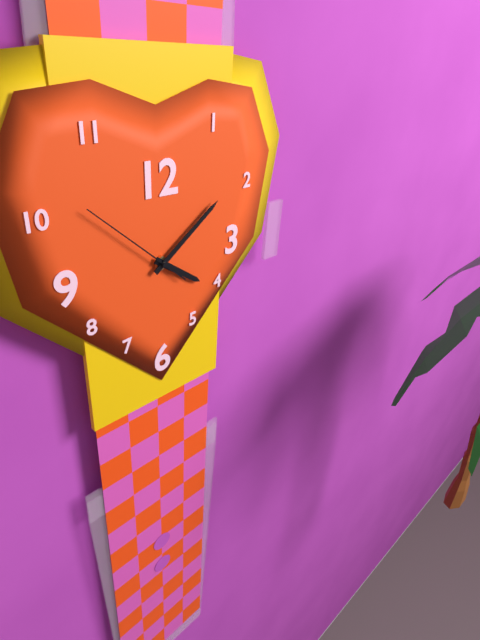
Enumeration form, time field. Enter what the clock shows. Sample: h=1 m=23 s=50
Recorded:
h=4 m=9 s=52
